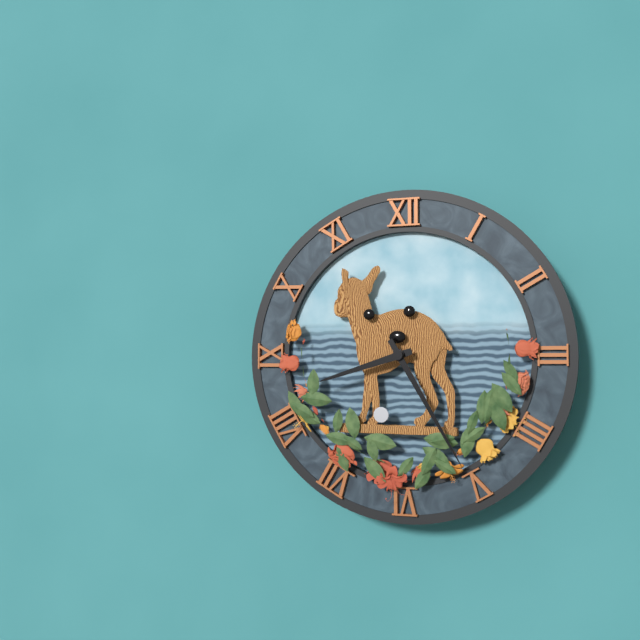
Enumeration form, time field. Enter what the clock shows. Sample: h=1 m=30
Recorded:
h=8 m=25
